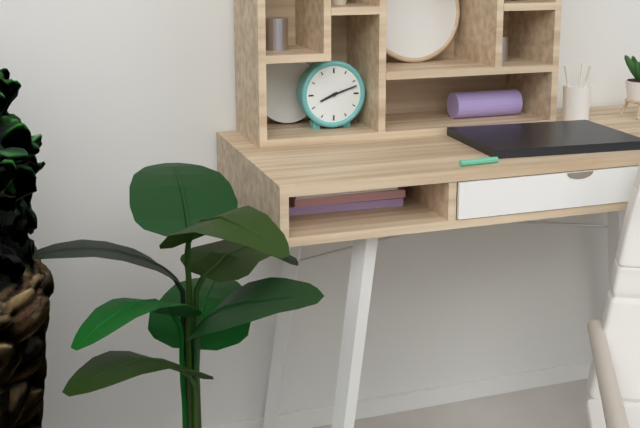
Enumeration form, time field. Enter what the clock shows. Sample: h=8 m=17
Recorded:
h=8 m=12
